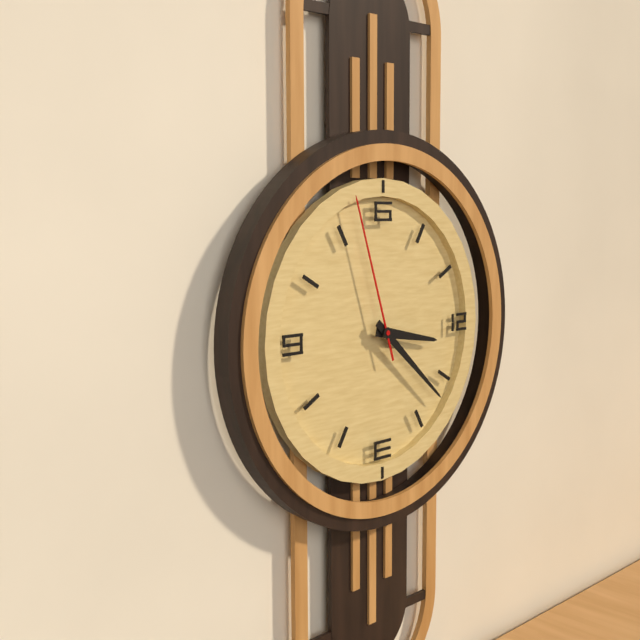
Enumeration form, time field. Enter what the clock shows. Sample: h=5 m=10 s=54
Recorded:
h=3 m=22 s=57
